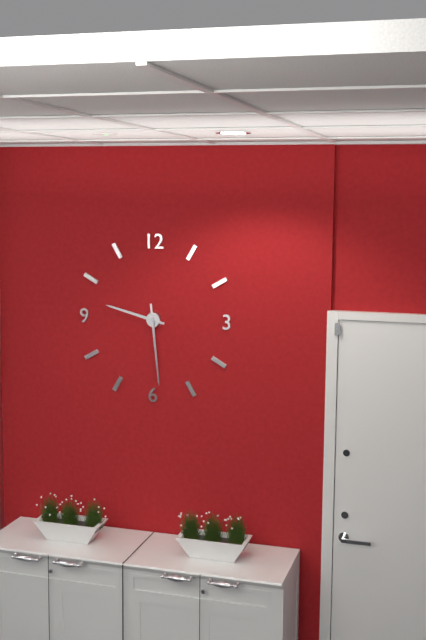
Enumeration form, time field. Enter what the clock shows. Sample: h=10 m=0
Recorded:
h=9 m=29
